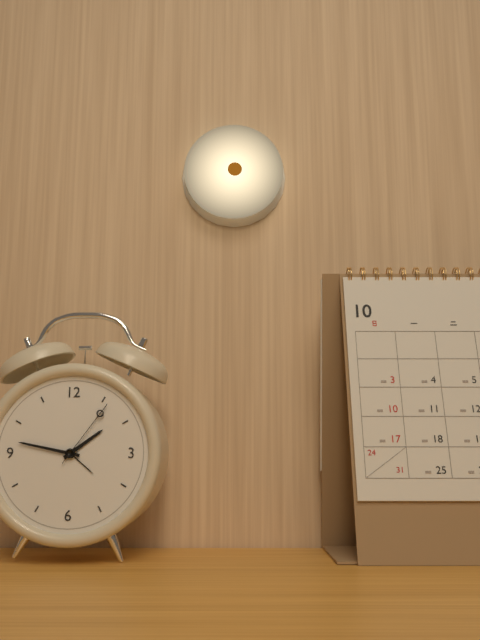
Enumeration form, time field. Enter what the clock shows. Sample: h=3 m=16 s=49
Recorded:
h=1 m=47 s=6
